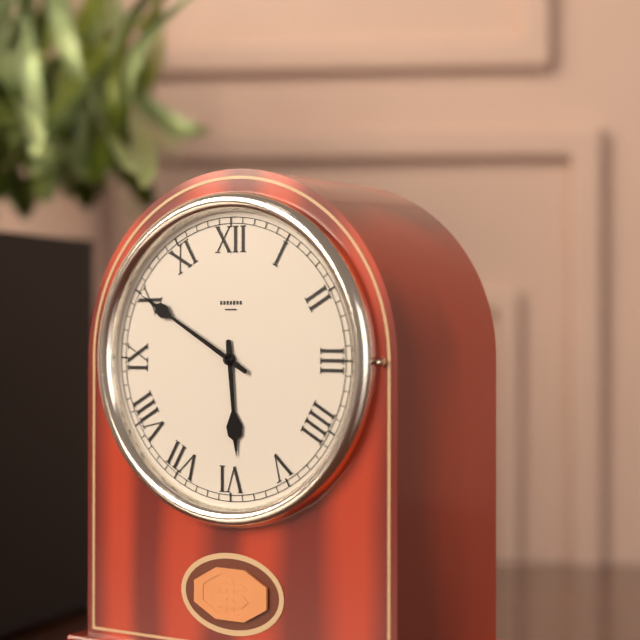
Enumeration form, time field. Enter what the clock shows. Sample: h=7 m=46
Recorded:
h=5 m=50
